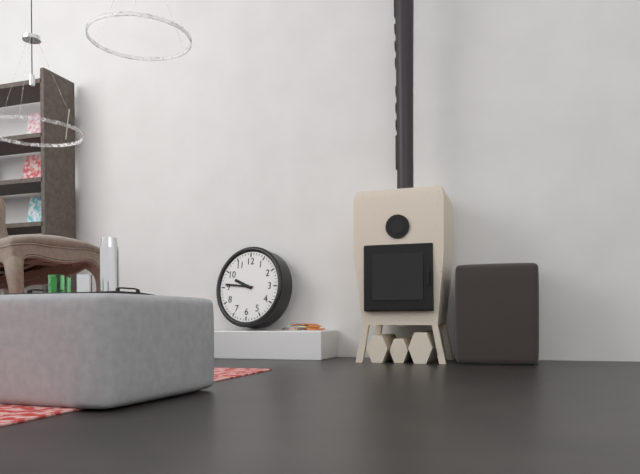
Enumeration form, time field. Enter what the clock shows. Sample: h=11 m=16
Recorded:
h=9 m=46
